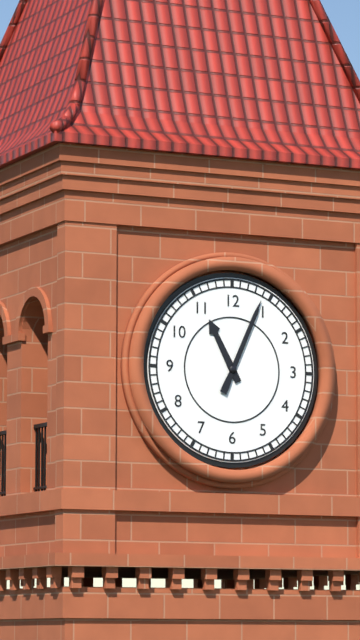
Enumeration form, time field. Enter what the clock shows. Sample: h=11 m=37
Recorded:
h=11 m=4
